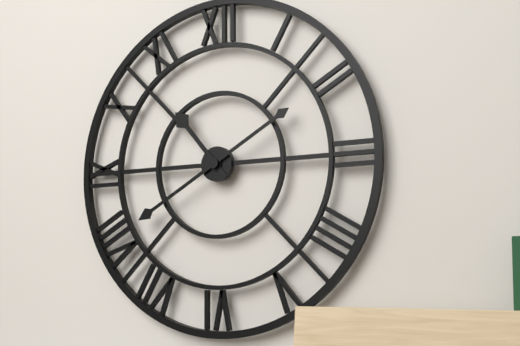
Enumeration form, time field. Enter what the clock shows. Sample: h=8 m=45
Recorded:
h=10 m=40
